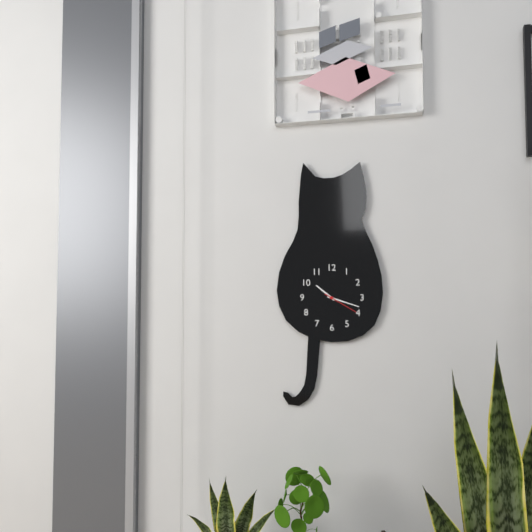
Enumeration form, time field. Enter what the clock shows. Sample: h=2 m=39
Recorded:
h=10 m=18
